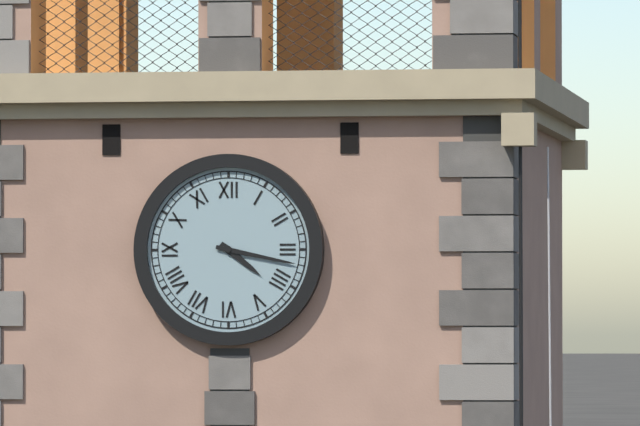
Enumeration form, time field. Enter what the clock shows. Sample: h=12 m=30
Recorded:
h=4 m=17
